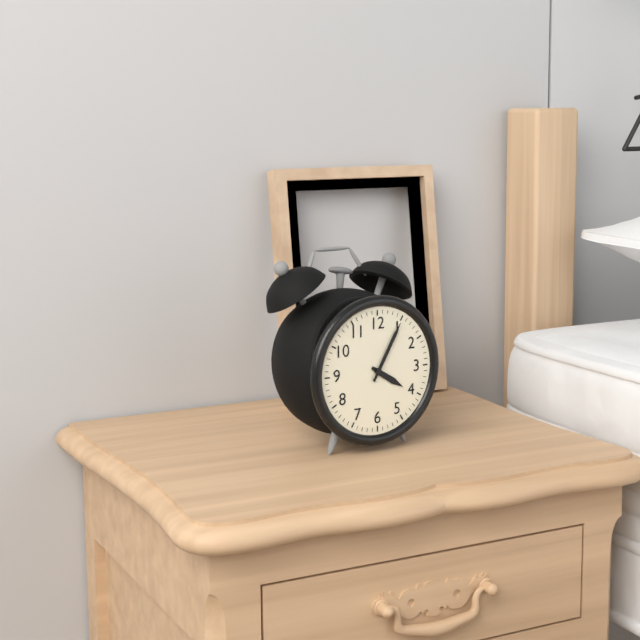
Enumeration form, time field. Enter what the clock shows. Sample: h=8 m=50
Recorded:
h=4 m=5
